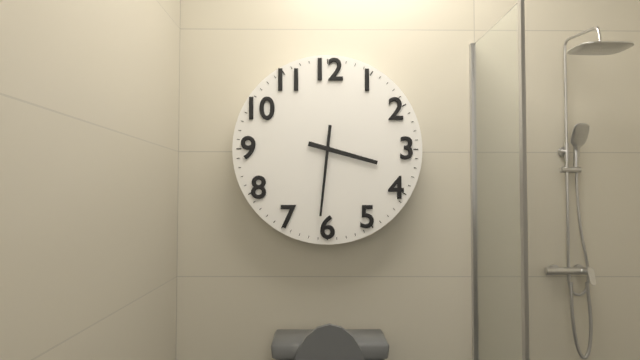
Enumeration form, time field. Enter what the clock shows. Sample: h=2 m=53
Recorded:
h=3 m=31
